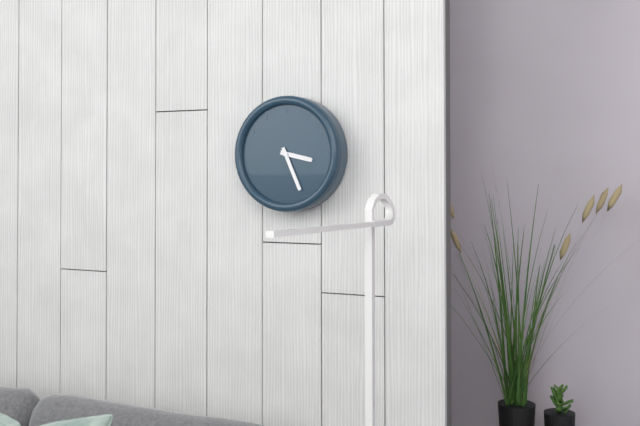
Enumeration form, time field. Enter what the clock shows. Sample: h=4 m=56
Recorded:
h=3 m=26
